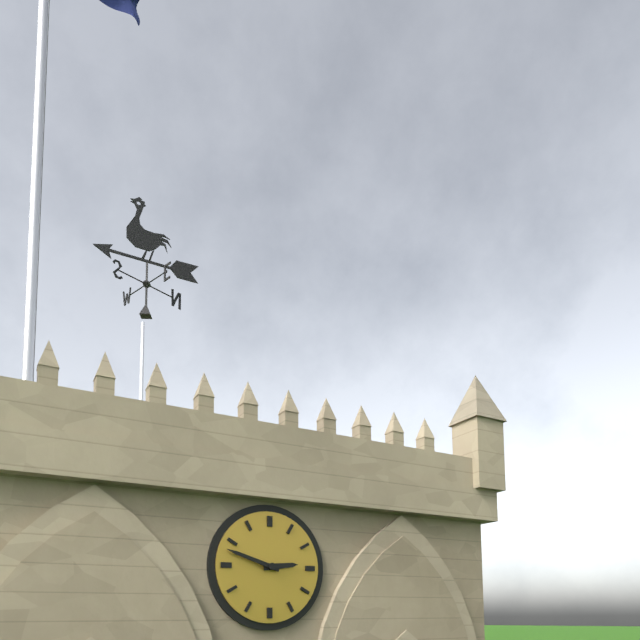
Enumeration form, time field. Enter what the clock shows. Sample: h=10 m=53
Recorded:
h=2 m=48
